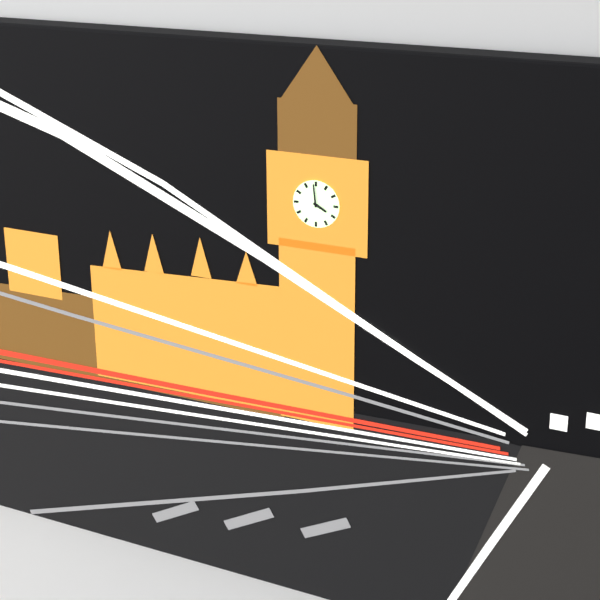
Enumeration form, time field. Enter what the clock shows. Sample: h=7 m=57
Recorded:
h=3 m=59
